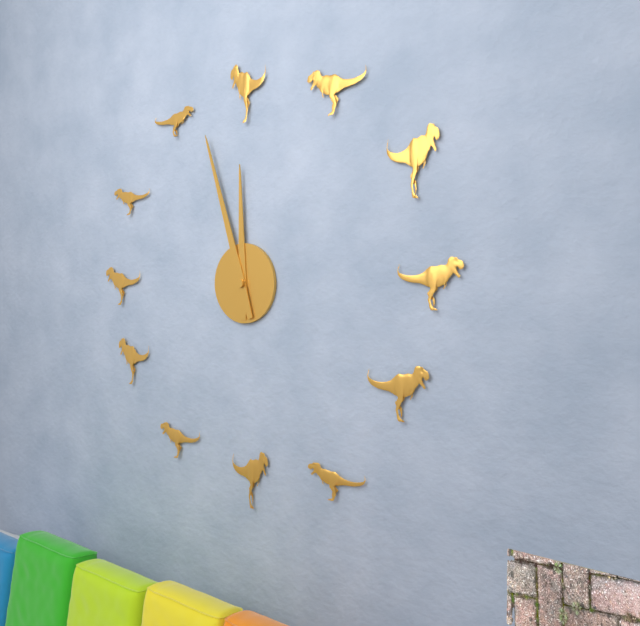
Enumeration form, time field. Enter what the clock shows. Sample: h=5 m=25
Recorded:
h=11 m=57
